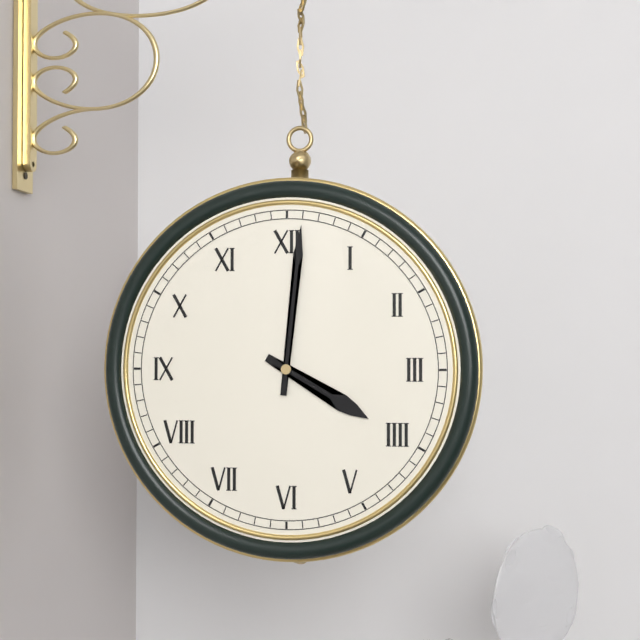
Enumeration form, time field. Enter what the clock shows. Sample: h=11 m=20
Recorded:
h=4 m=1
